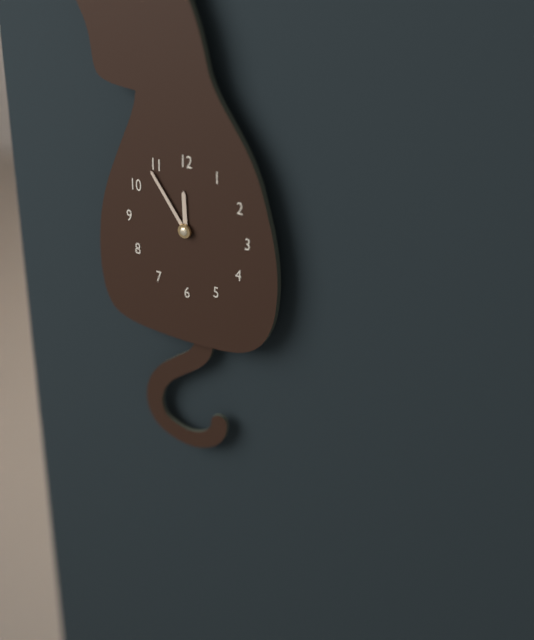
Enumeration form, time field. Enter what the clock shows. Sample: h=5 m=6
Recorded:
h=11 m=54
